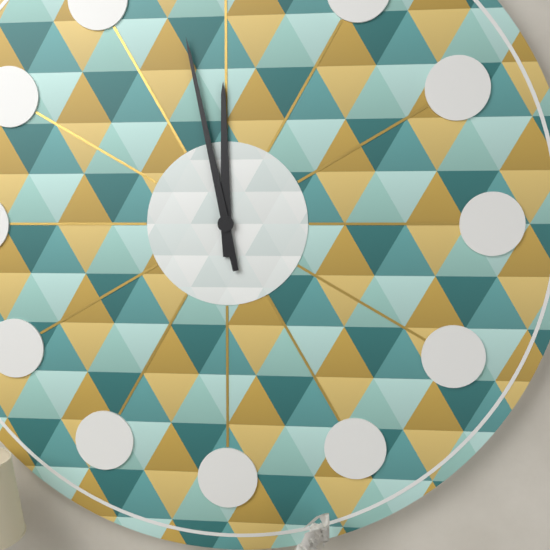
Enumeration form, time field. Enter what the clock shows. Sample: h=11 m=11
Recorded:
h=11 m=58
